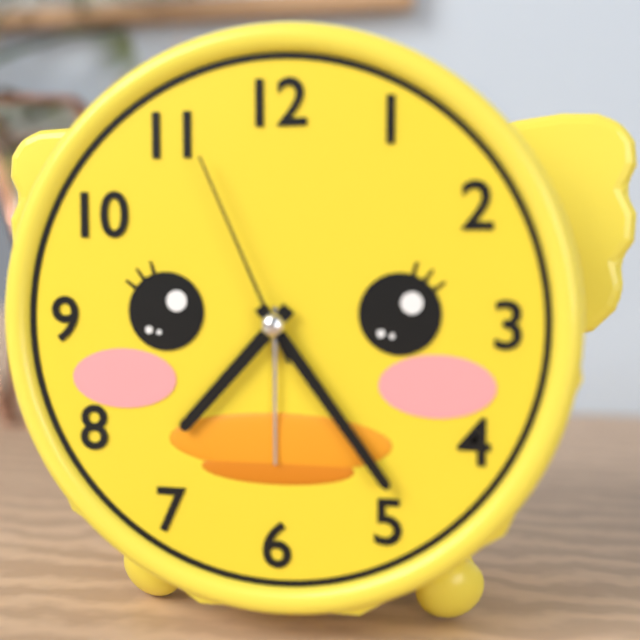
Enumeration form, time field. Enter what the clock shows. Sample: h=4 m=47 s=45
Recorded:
h=7 m=24 s=56
